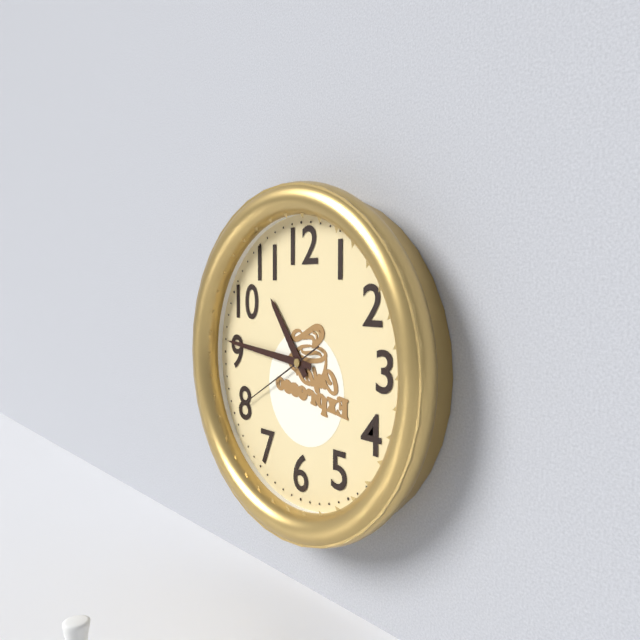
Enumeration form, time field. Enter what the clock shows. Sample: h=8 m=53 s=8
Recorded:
h=10 m=46 s=40
